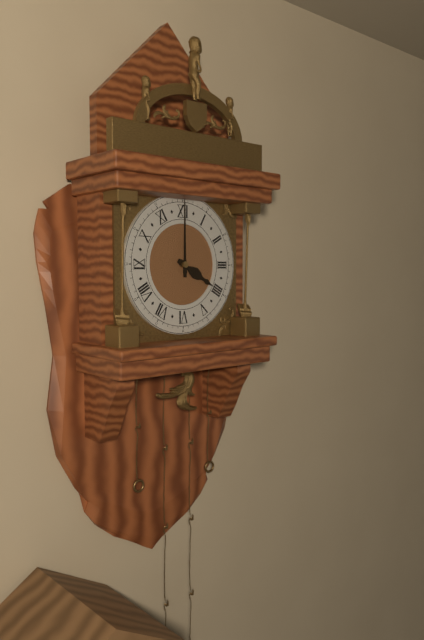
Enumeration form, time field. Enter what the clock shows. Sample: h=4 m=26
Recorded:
h=4 m=0
